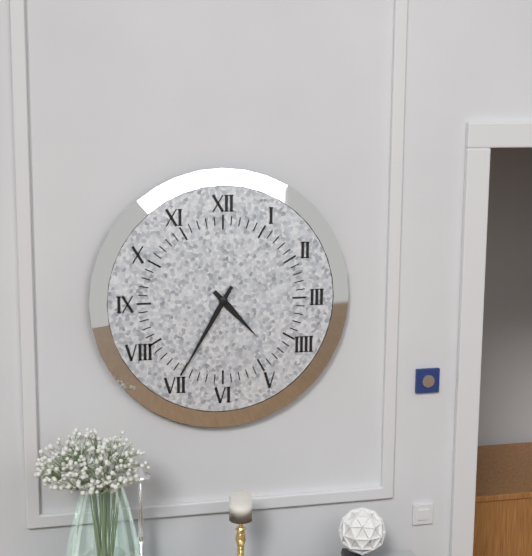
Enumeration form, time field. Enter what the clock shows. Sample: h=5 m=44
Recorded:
h=4 m=35
